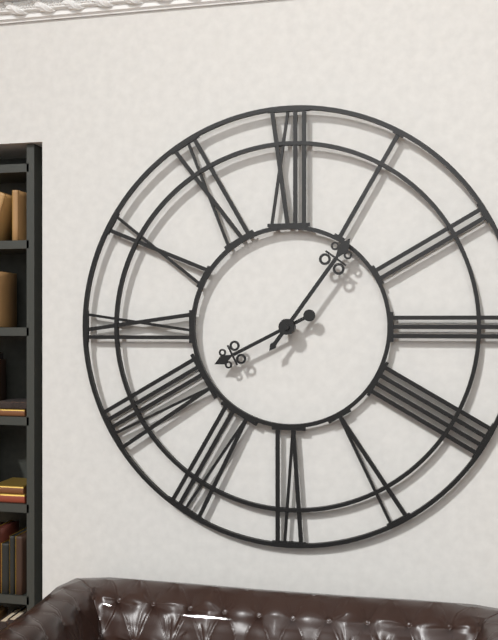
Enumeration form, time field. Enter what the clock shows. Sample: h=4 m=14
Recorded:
h=8 m=6
